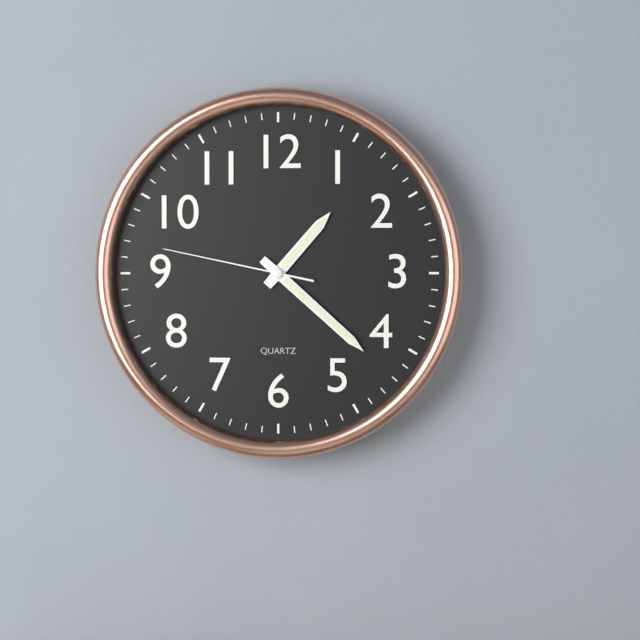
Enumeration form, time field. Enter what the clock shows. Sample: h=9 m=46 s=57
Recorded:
h=1 m=22 s=47
